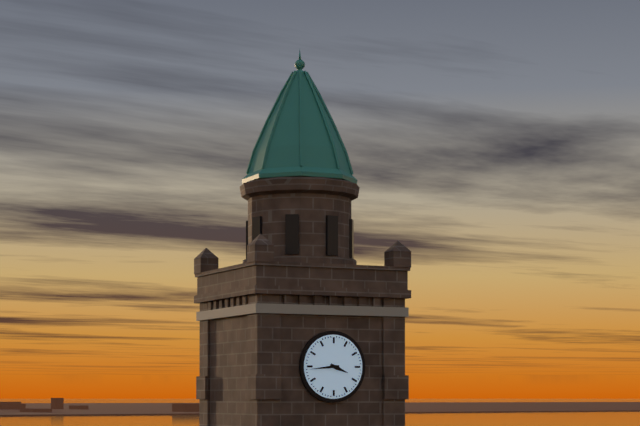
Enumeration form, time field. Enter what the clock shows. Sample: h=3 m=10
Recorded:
h=3 m=44
